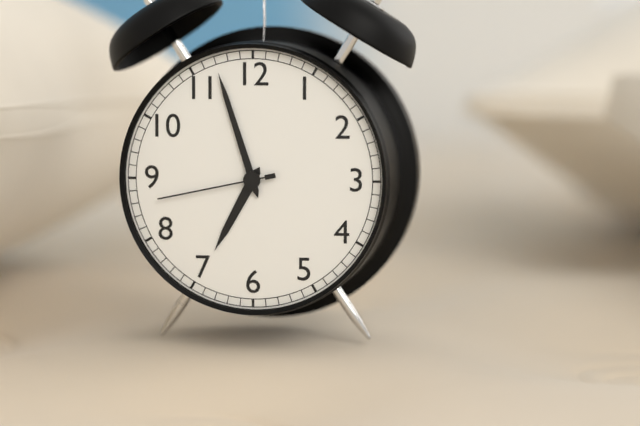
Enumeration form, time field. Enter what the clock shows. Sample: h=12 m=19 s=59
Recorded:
h=6 m=57 s=43
